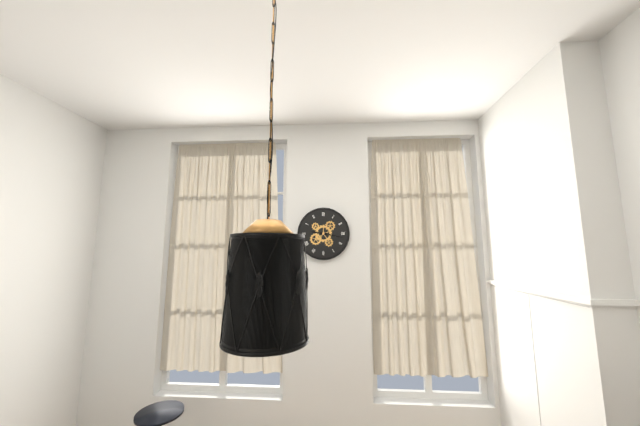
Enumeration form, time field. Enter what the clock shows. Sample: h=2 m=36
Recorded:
h=9 m=17
